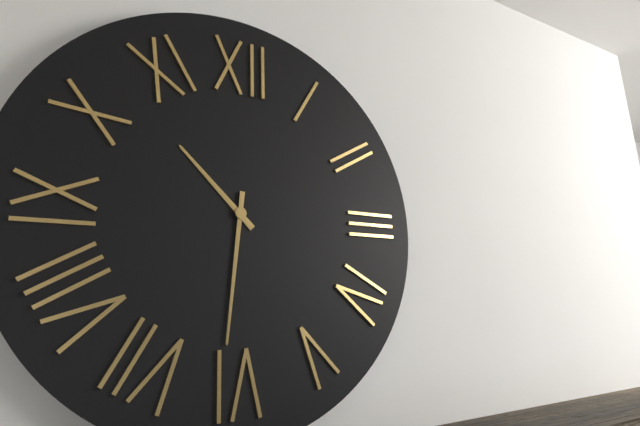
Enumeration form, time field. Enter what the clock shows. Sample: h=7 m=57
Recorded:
h=10 m=31
